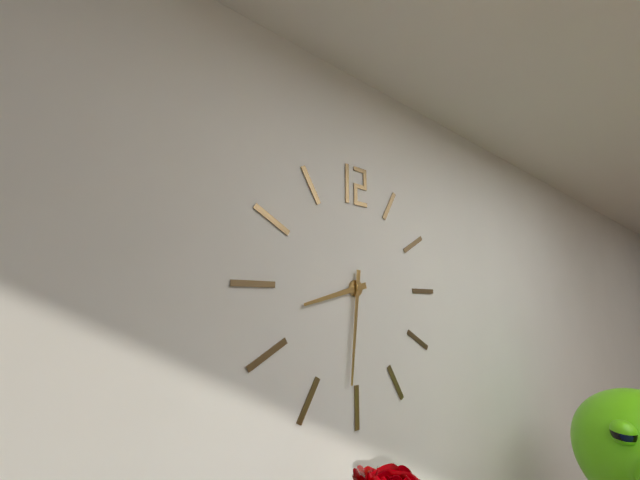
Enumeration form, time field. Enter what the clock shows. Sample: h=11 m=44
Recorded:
h=8 m=31
